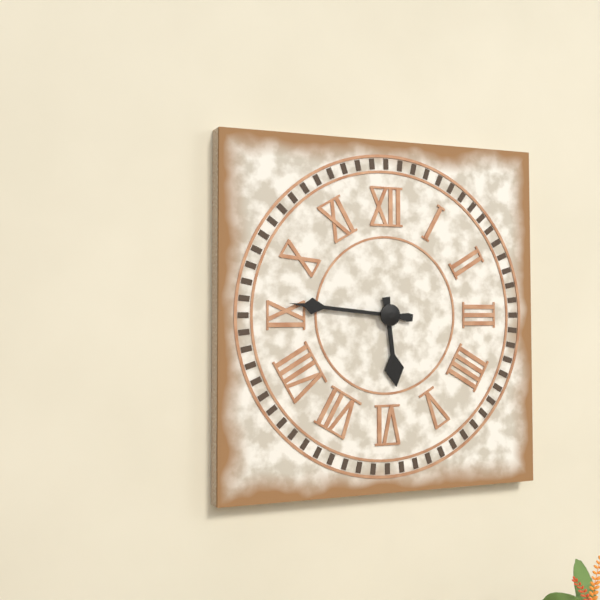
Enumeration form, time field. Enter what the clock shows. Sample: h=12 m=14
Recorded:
h=5 m=46
